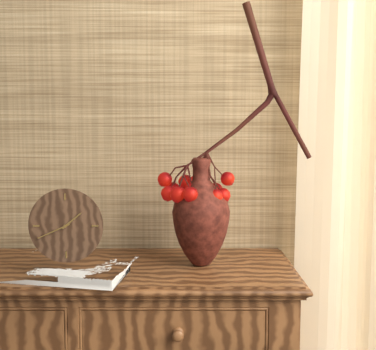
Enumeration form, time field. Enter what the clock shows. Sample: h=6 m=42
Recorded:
h=1 m=41
